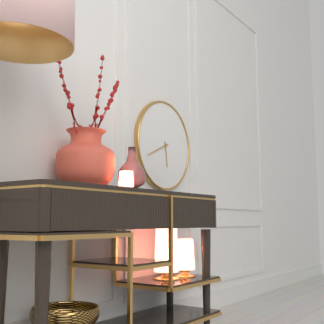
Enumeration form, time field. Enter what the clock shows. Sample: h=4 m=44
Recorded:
h=5 m=41
